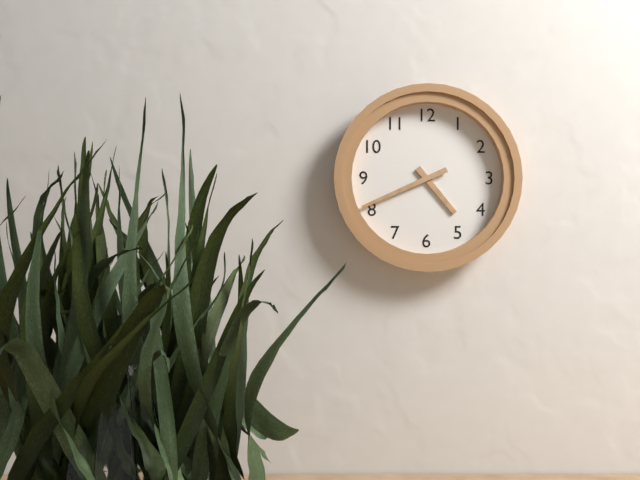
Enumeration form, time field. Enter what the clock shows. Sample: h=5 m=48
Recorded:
h=4 m=41
